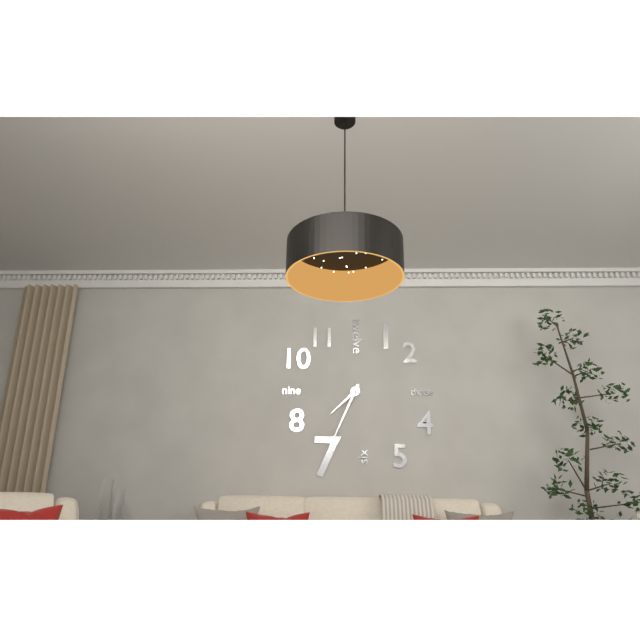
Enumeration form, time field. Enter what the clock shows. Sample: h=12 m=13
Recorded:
h=7 m=34
